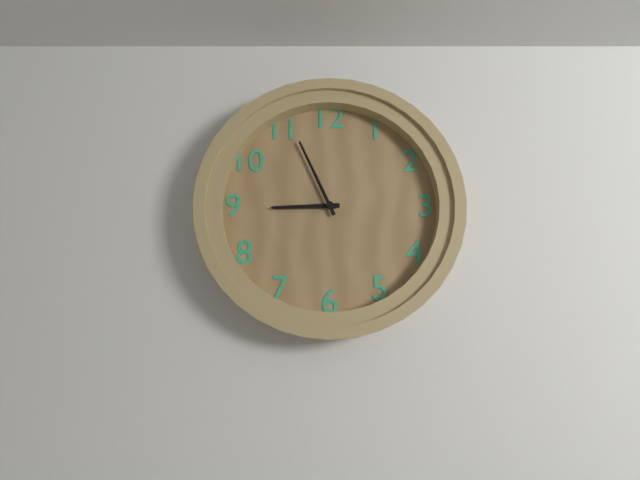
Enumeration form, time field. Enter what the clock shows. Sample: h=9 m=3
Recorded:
h=8 m=56
